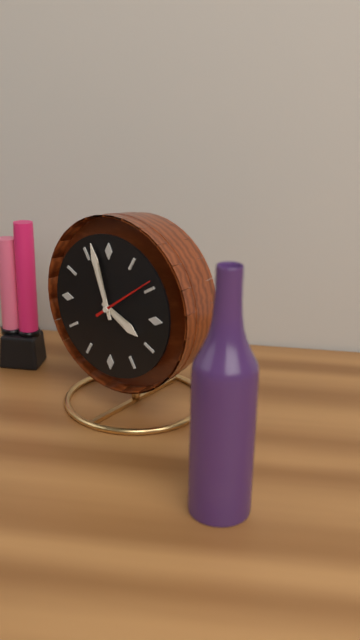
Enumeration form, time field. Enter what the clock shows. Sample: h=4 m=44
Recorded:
h=3 m=57
